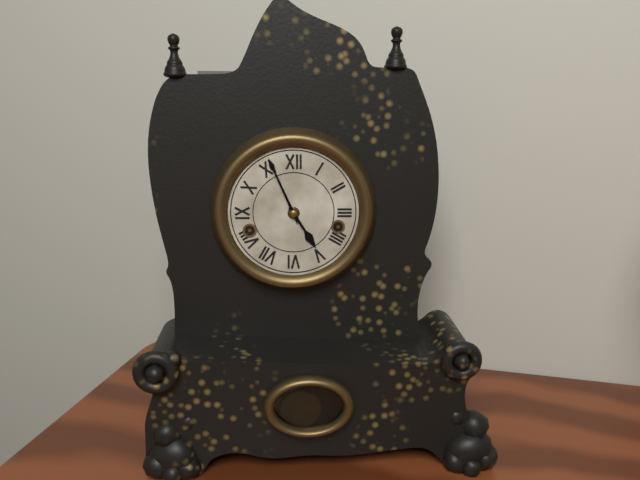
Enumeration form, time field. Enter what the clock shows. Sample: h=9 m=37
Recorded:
h=4 m=56
